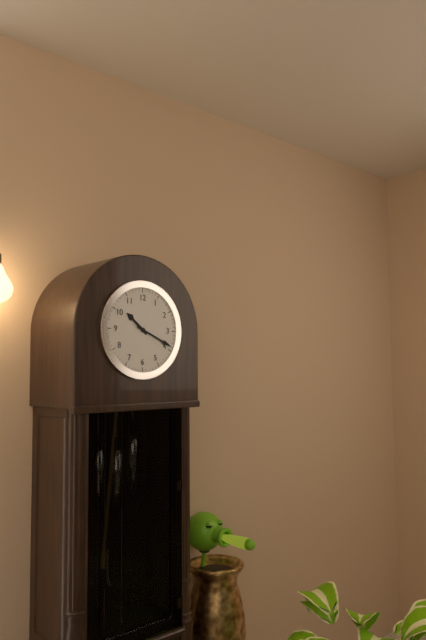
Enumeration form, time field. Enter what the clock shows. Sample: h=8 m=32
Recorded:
h=10 m=19
